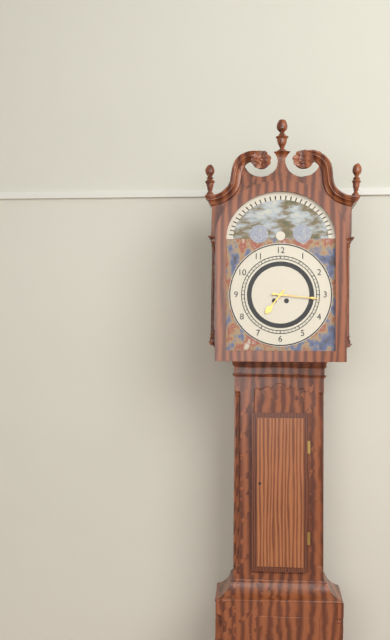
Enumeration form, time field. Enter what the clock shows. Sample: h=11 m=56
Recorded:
h=7 m=16
